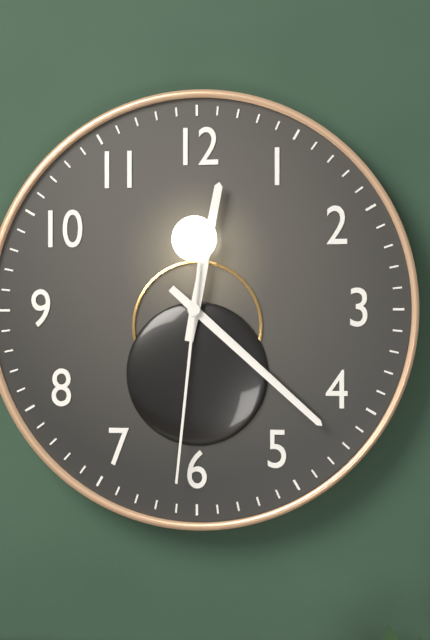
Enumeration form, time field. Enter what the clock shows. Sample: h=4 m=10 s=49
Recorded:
h=12 m=22 s=31
